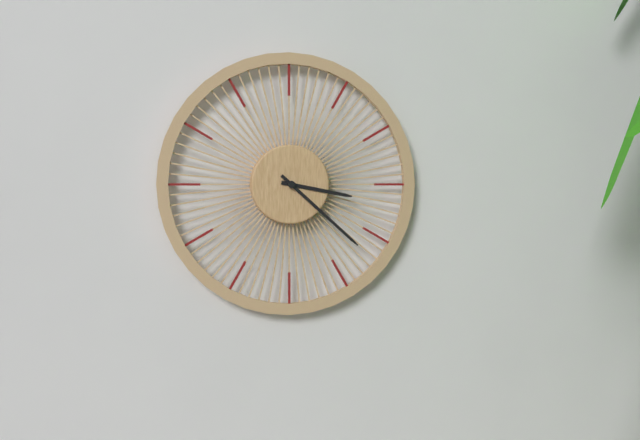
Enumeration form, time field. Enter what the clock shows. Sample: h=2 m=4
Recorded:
h=3 m=22
